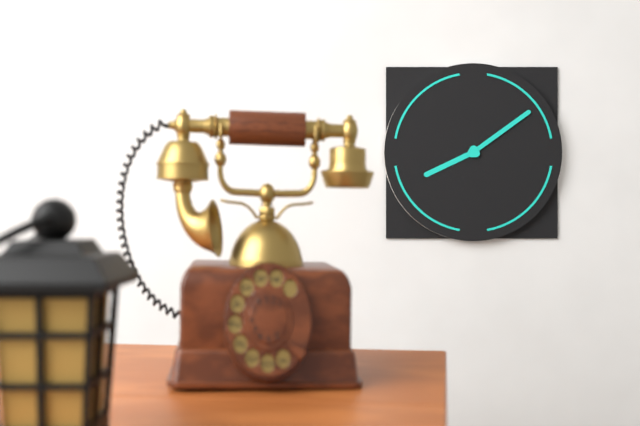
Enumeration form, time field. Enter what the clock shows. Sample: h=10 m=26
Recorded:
h=8 m=9
